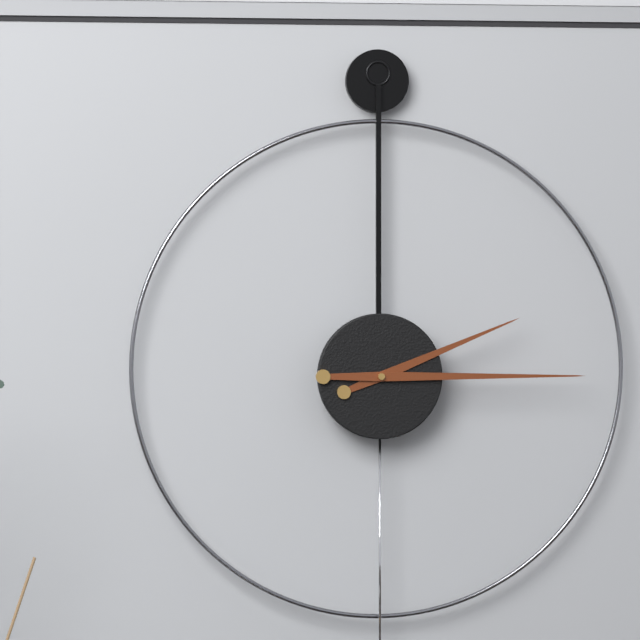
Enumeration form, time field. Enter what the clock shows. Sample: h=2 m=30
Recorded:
h=2 m=15
